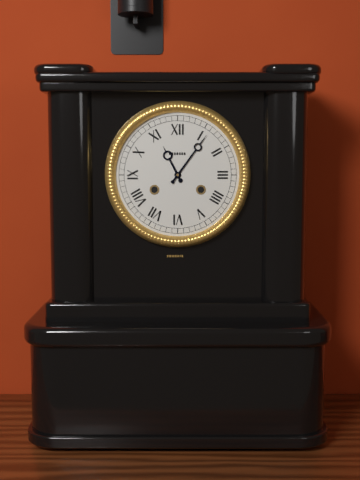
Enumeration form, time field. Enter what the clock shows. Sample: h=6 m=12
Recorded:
h=11 m=6
